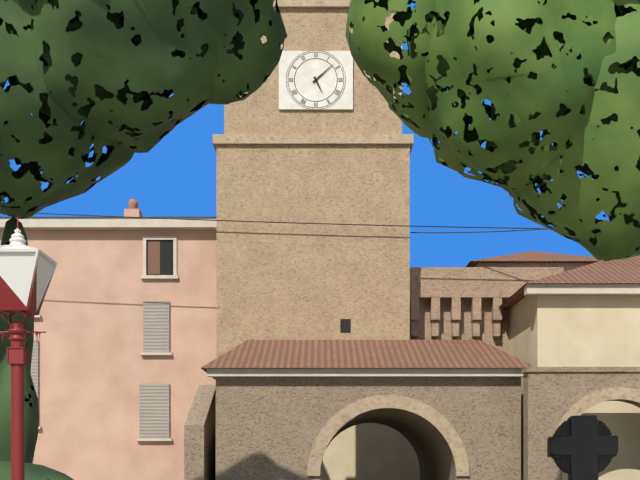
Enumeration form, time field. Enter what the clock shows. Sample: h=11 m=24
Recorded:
h=5 m=8
